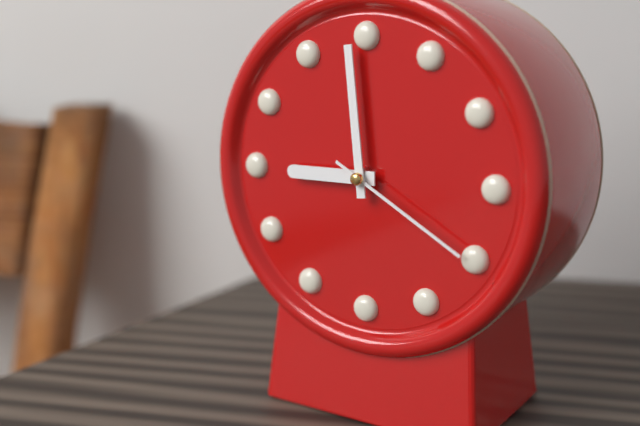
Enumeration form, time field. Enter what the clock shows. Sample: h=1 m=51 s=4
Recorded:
h=8 m=59 s=20
